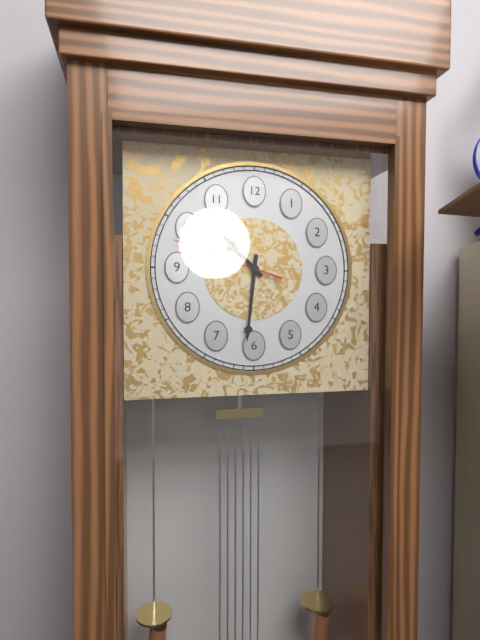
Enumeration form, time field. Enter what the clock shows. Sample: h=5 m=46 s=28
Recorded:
h=10 m=31 s=48
